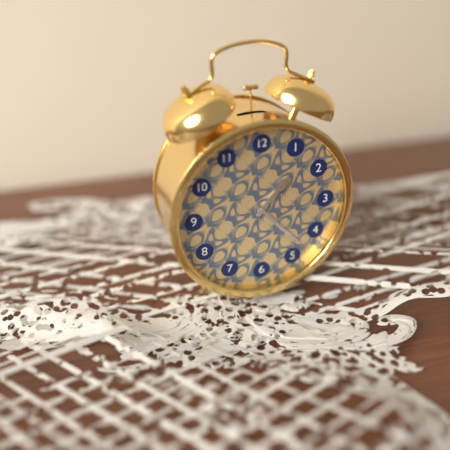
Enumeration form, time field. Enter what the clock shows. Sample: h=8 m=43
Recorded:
h=1 m=23
